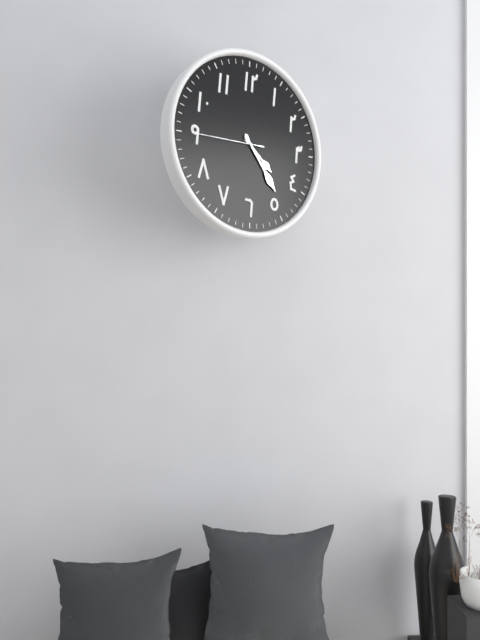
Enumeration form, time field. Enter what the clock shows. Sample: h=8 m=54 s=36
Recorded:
h=4 m=24 s=45
